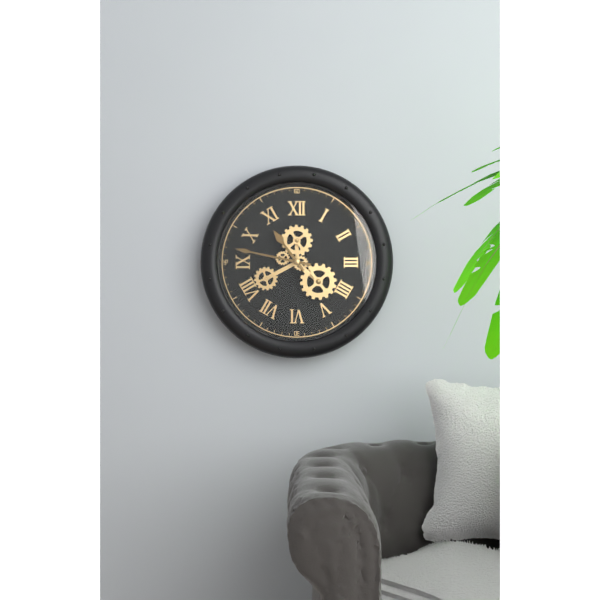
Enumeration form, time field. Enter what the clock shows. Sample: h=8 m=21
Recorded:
h=10 m=47
